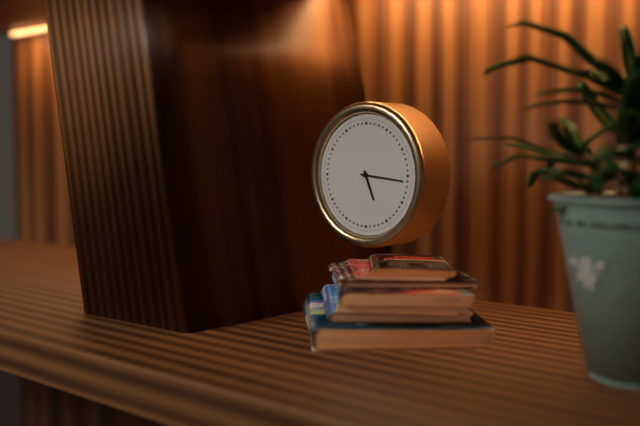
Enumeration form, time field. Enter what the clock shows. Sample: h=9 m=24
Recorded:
h=5 m=16
